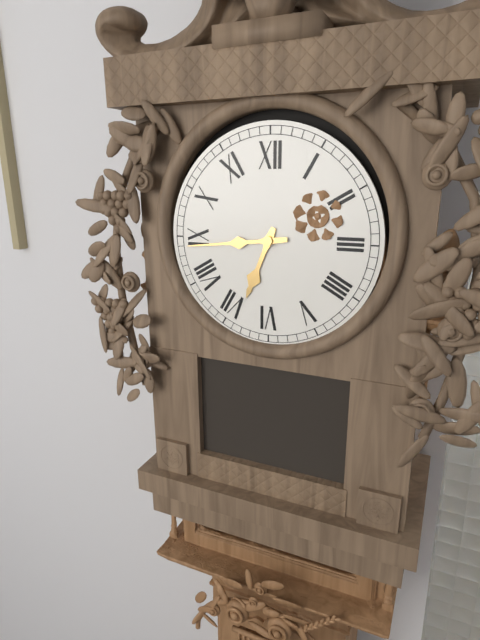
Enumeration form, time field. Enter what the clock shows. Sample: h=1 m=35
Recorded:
h=6 m=44
